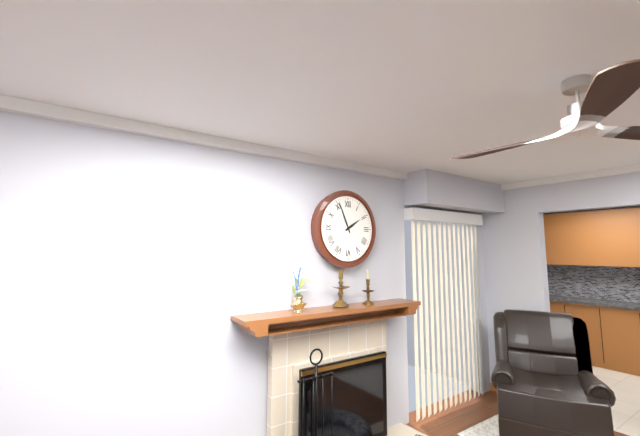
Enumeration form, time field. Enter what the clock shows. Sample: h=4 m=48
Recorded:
h=1 m=56
